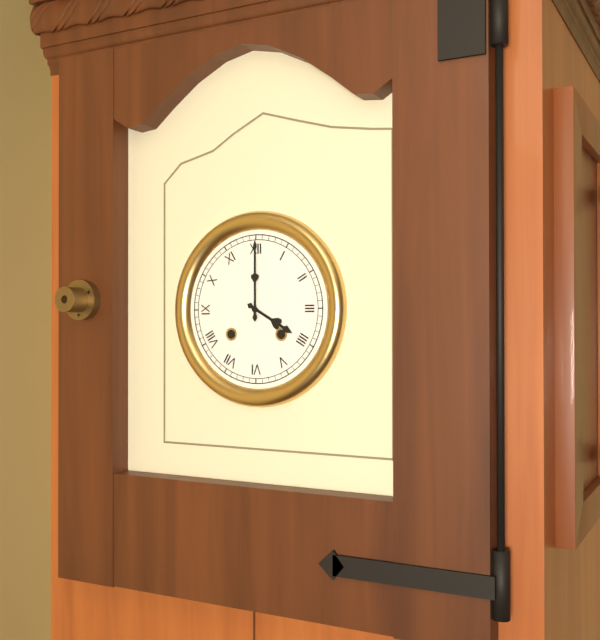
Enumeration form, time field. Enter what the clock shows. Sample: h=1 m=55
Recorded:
h=4 m=0
